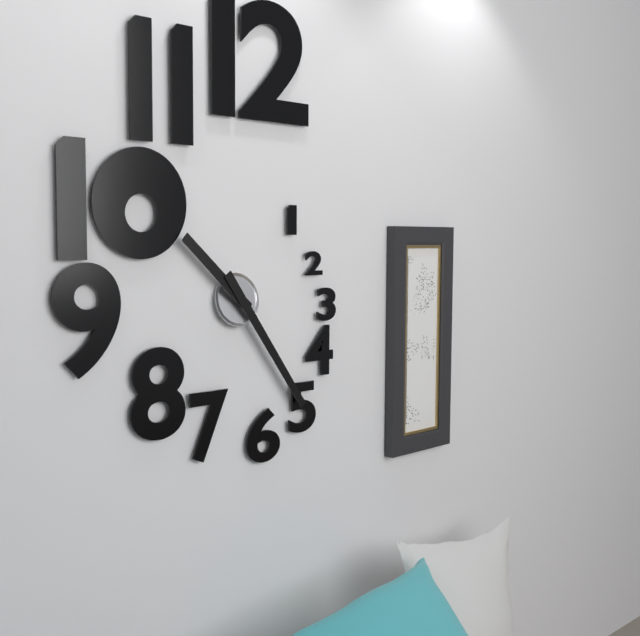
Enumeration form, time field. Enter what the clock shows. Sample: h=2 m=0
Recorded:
h=10 m=24
